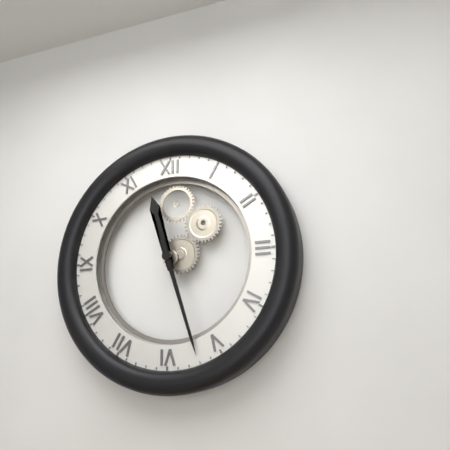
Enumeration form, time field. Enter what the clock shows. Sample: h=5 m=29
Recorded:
h=11 m=27
